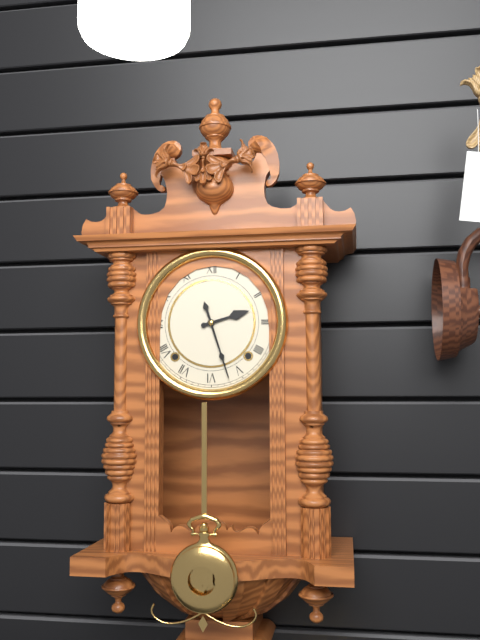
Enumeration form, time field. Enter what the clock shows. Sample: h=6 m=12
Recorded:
h=2 m=27
